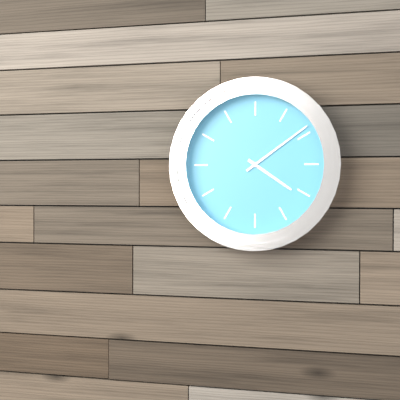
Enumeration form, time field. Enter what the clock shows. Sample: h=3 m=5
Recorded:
h=4 m=9
